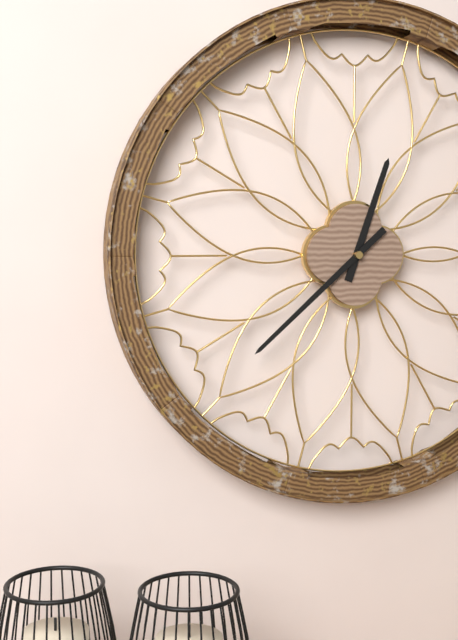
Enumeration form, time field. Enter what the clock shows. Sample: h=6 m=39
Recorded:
h=12 m=38
